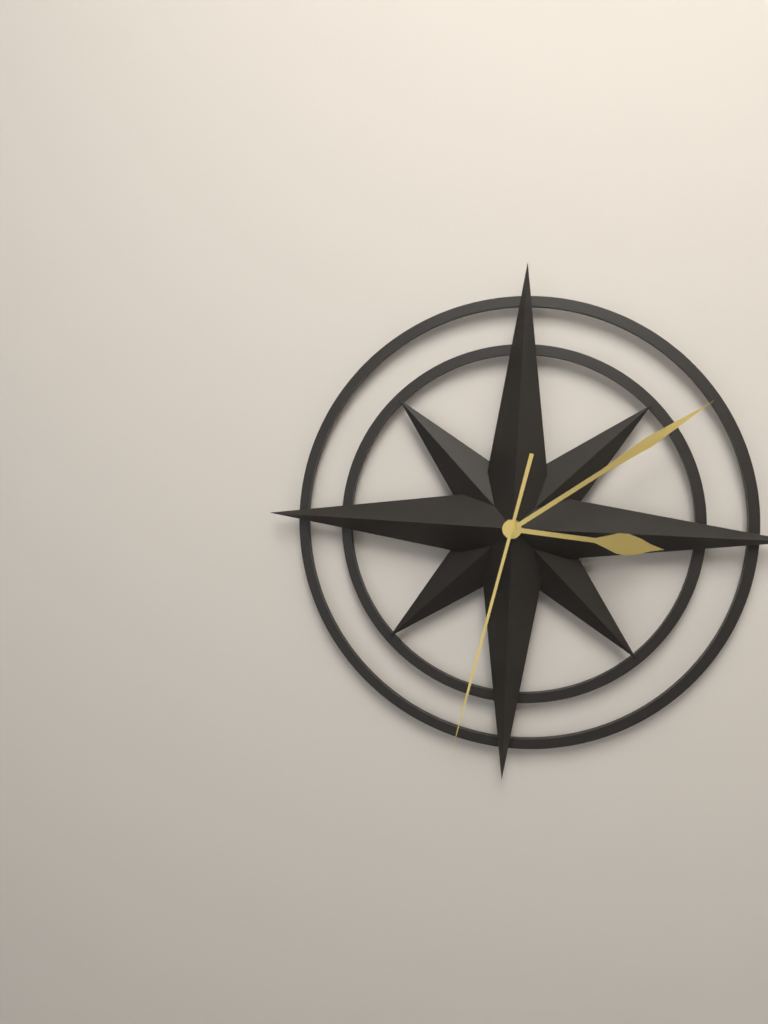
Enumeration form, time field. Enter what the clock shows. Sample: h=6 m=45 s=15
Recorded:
h=3 m=9 s=32
